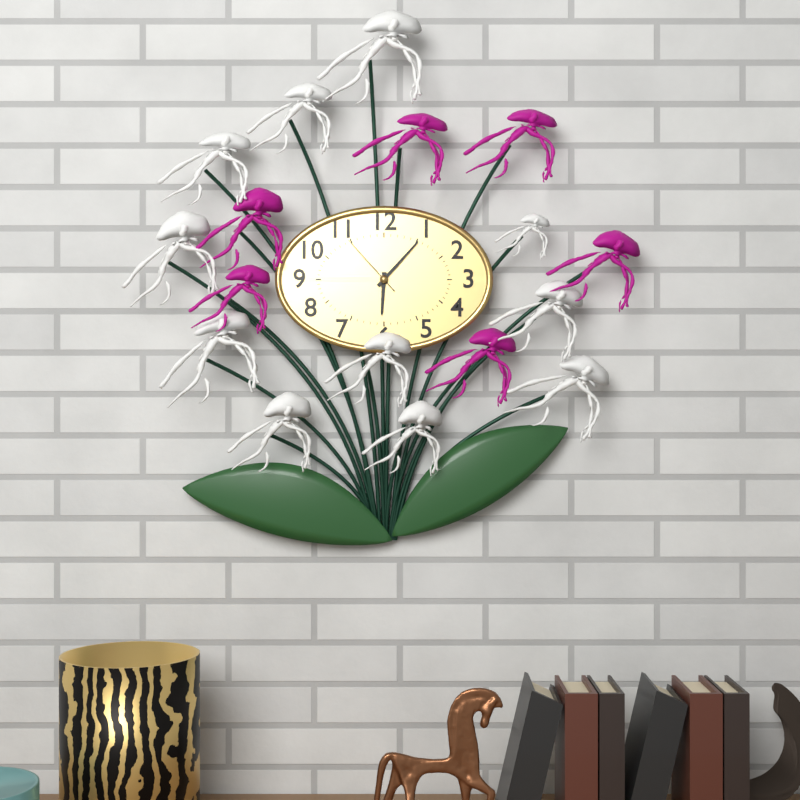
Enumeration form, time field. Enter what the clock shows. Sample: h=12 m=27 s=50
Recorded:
h=6 m=7 s=53
